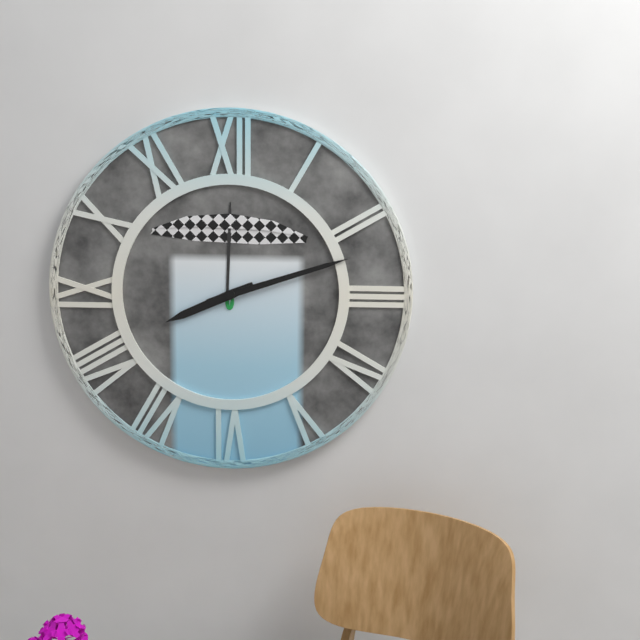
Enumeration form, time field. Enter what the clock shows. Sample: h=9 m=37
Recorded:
h=8 m=12
